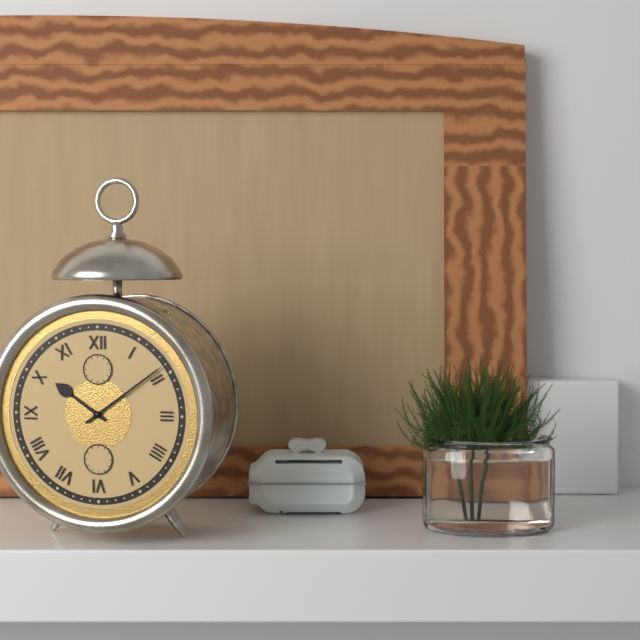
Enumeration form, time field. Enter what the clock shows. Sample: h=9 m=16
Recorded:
h=10 m=9
